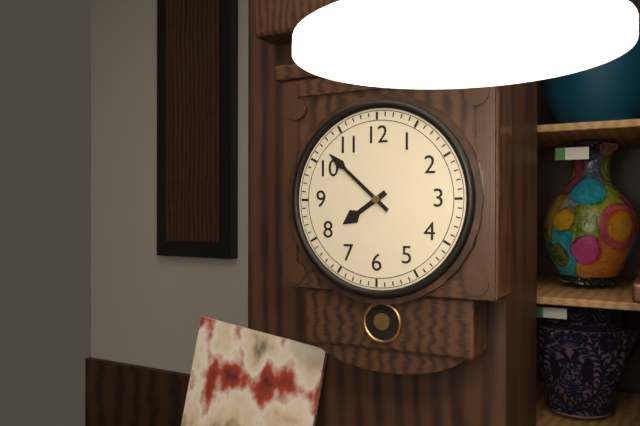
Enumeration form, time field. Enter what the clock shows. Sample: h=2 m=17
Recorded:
h=7 m=52
